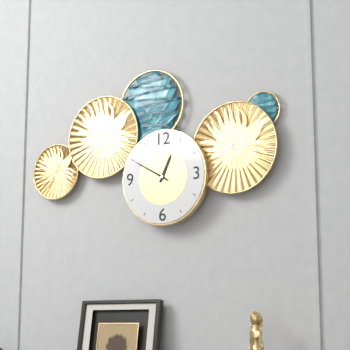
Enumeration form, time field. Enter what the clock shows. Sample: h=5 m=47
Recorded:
h=12 m=50
